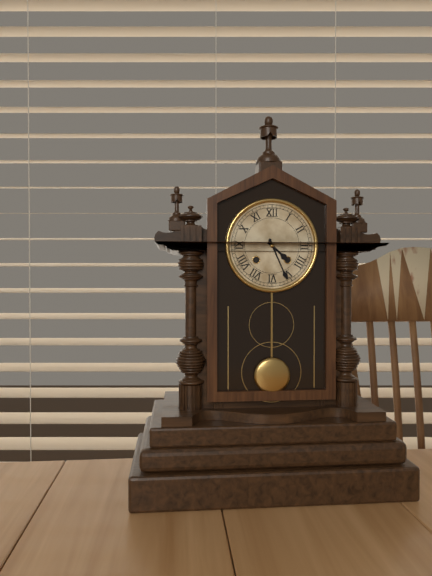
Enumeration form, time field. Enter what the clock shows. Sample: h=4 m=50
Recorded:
h=4 m=26
